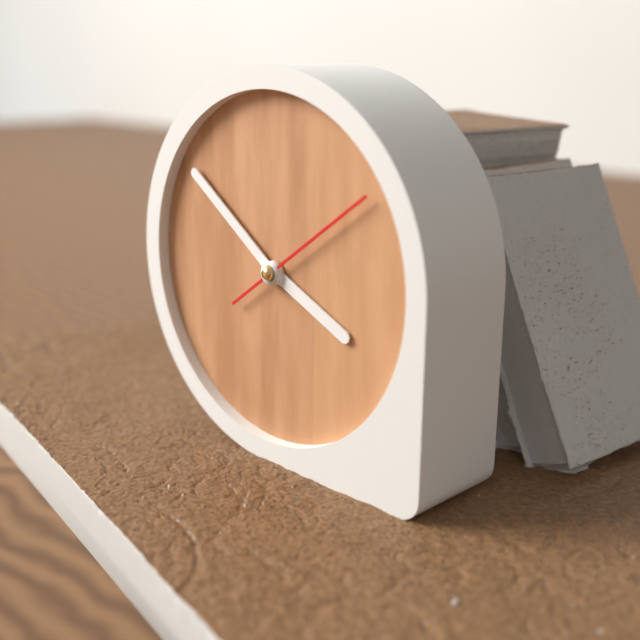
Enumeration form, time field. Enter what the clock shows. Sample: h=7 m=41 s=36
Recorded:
h=3 m=51 s=9
